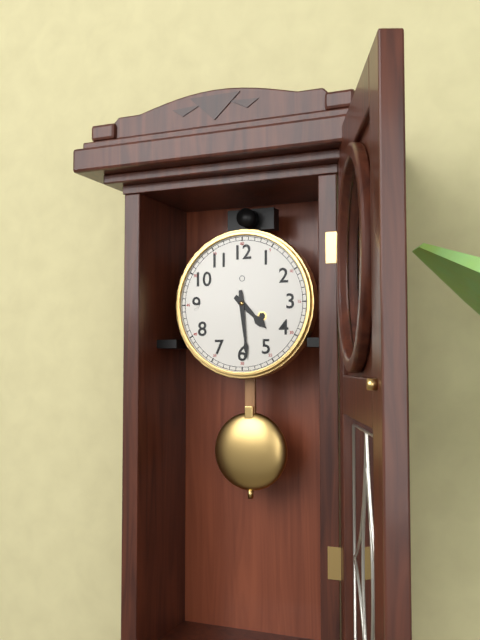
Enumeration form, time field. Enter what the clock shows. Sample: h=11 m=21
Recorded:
h=4 m=29
